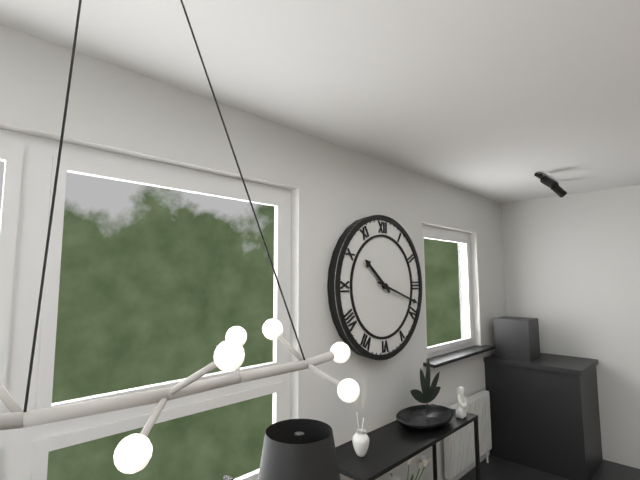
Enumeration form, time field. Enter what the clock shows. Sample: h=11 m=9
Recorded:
h=10 m=18
